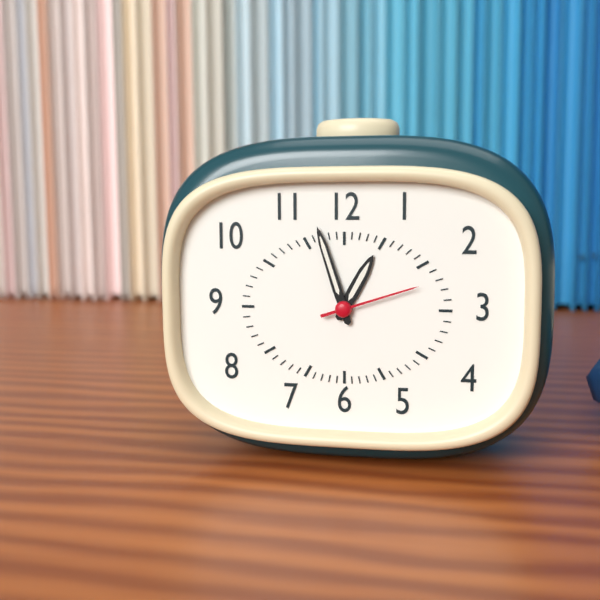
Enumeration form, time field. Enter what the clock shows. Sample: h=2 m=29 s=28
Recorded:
h=12 m=57 s=12
